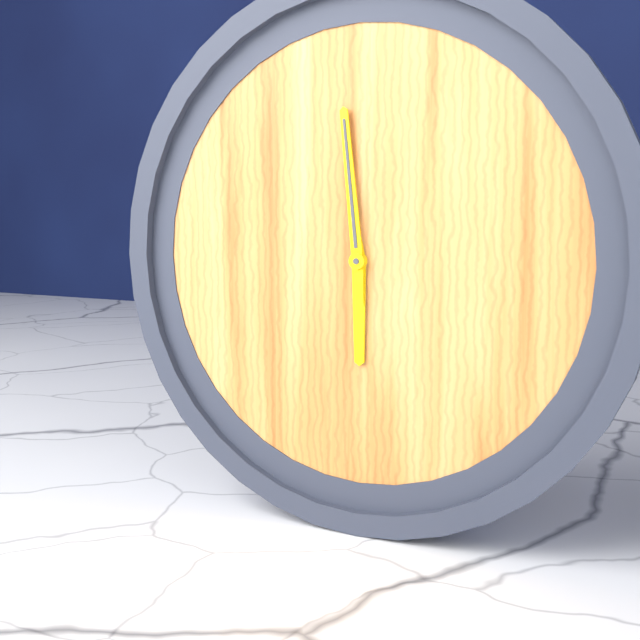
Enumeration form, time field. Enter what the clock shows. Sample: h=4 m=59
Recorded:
h=5 m=59
